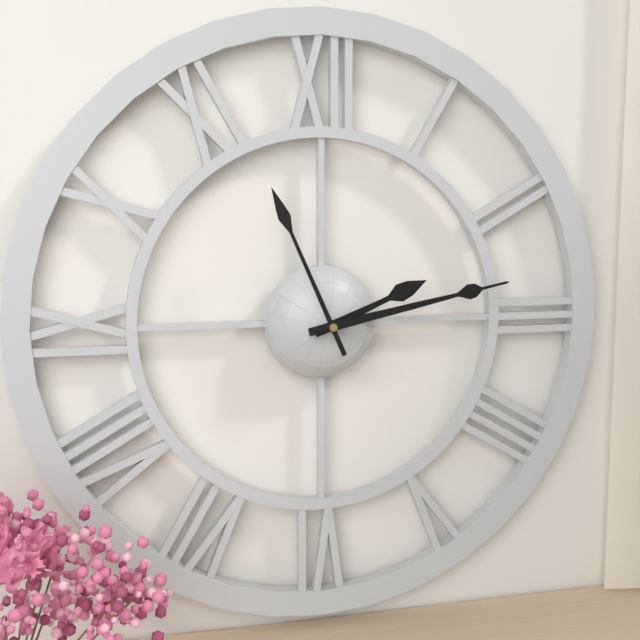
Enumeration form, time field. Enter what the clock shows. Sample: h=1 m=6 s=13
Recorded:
h=2 m=13 s=56
